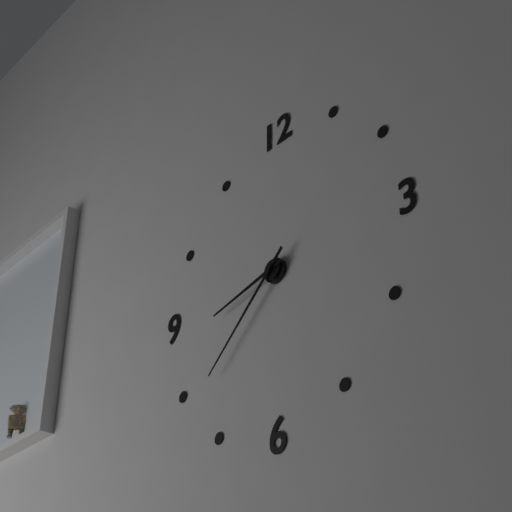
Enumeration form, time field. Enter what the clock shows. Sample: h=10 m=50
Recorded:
h=8 m=38
